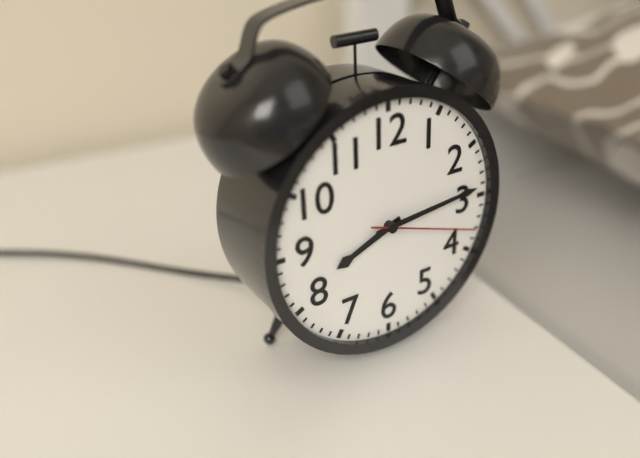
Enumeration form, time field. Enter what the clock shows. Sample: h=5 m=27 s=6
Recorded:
h=8 m=14 s=18
